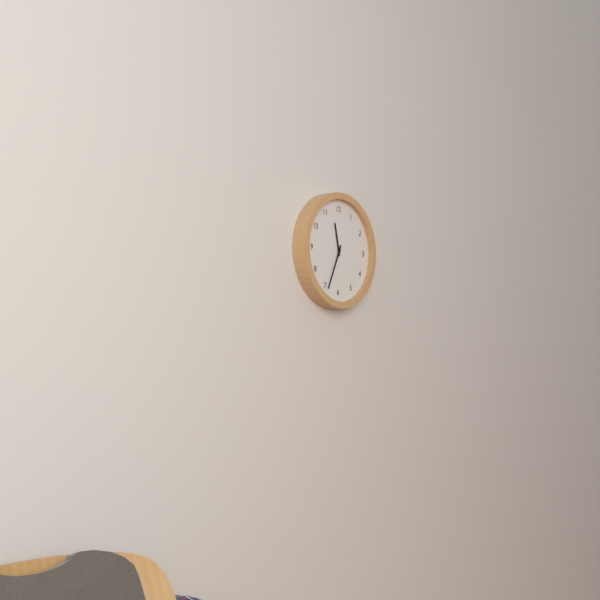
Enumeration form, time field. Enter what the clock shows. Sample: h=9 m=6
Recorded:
h=11 m=34
